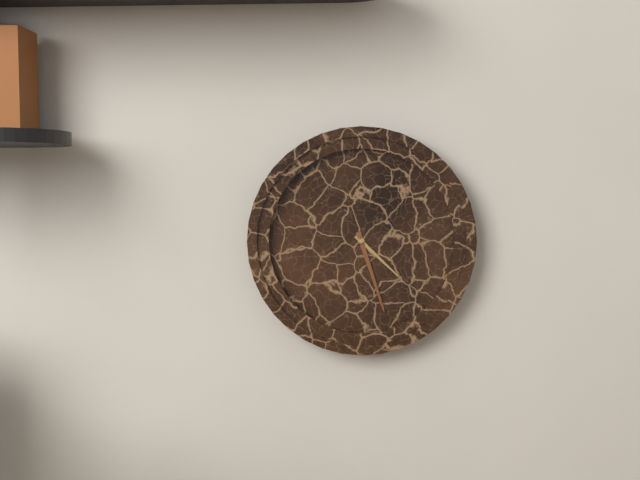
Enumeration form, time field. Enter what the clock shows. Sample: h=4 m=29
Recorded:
h=4 m=27
